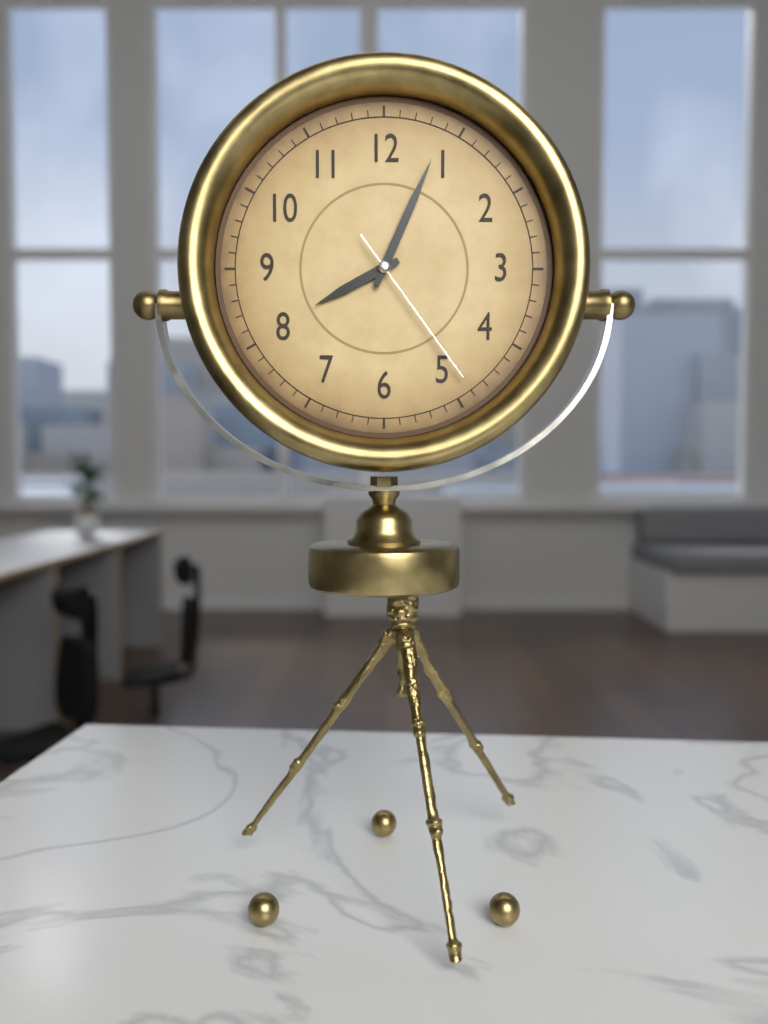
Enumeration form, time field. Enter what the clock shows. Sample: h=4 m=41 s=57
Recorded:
h=8 m=4 s=24
